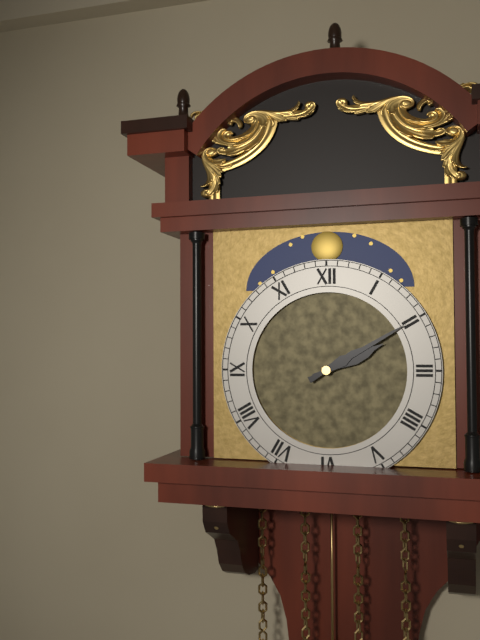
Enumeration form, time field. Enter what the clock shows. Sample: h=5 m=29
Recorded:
h=2 m=10
